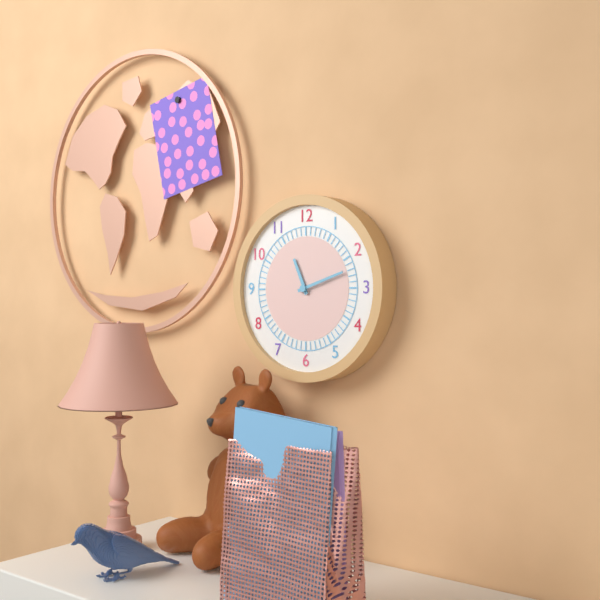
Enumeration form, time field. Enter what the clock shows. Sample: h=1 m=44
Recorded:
h=11 m=12
